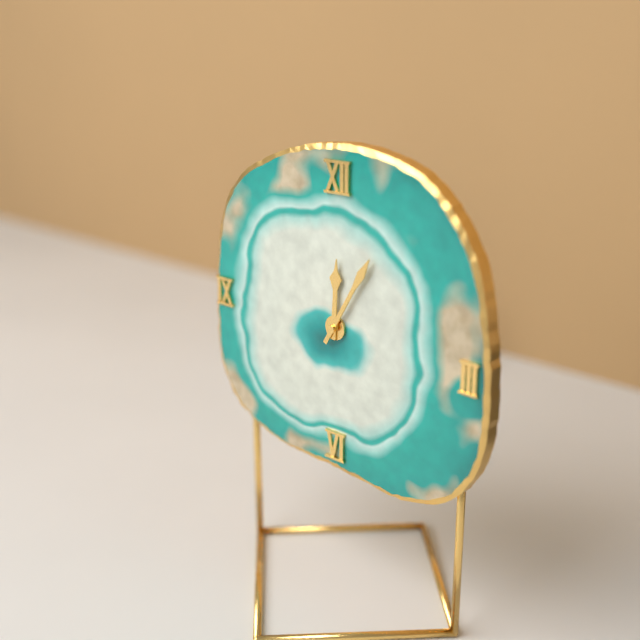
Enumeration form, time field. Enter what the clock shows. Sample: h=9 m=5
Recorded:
h=12 m=5
